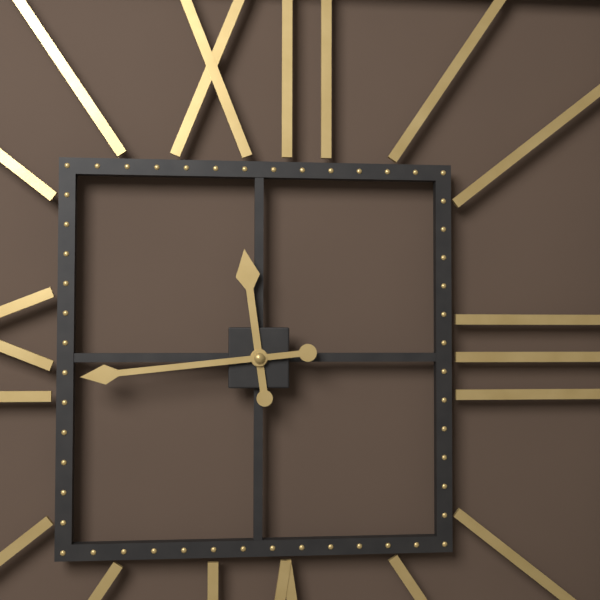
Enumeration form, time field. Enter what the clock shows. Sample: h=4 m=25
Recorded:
h=11 m=44
